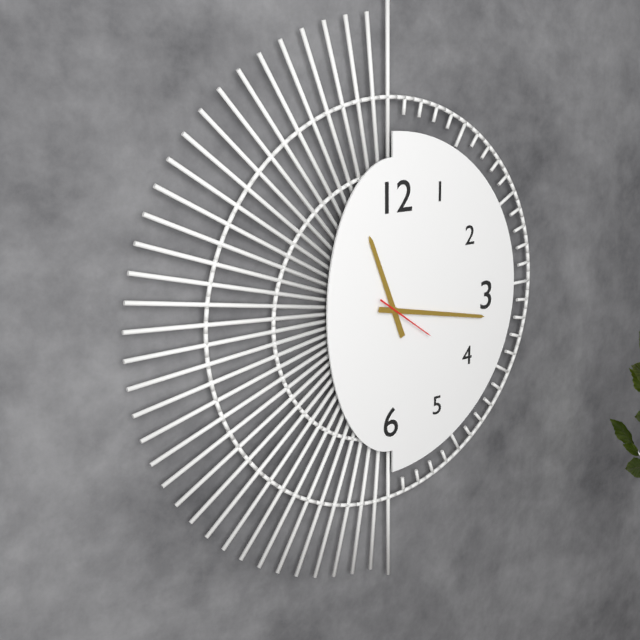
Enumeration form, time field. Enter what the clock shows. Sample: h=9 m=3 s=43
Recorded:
h=11 m=17 s=21
